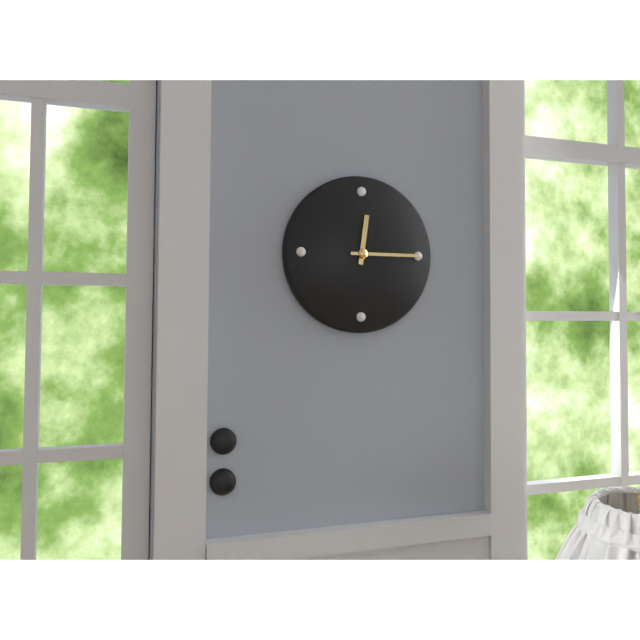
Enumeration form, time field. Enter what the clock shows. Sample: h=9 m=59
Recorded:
h=12 m=15
